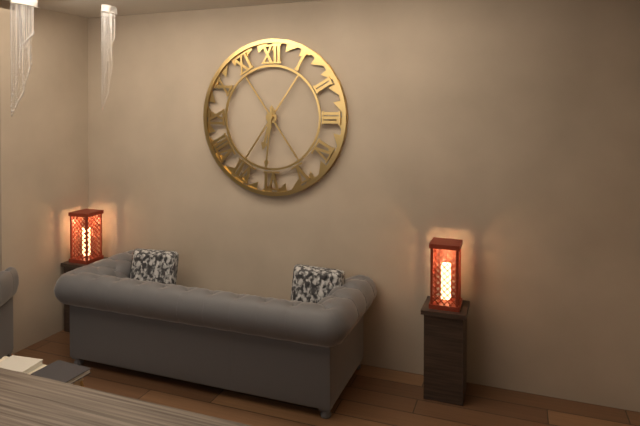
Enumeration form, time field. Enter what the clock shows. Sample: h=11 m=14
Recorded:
h=6 m=31
